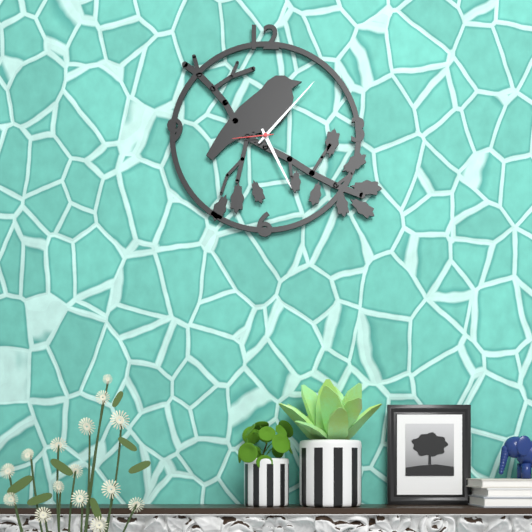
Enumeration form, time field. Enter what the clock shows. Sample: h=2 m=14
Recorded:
h=5 m=7
